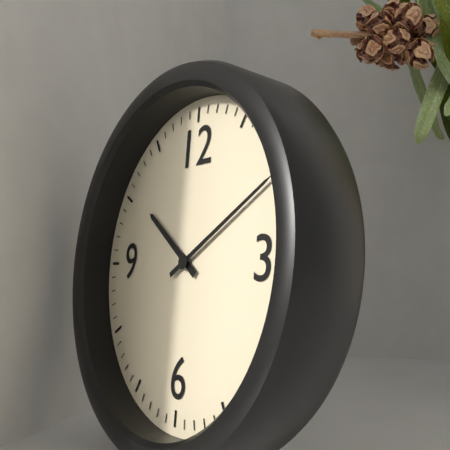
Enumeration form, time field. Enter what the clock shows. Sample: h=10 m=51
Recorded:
h=10 m=10
